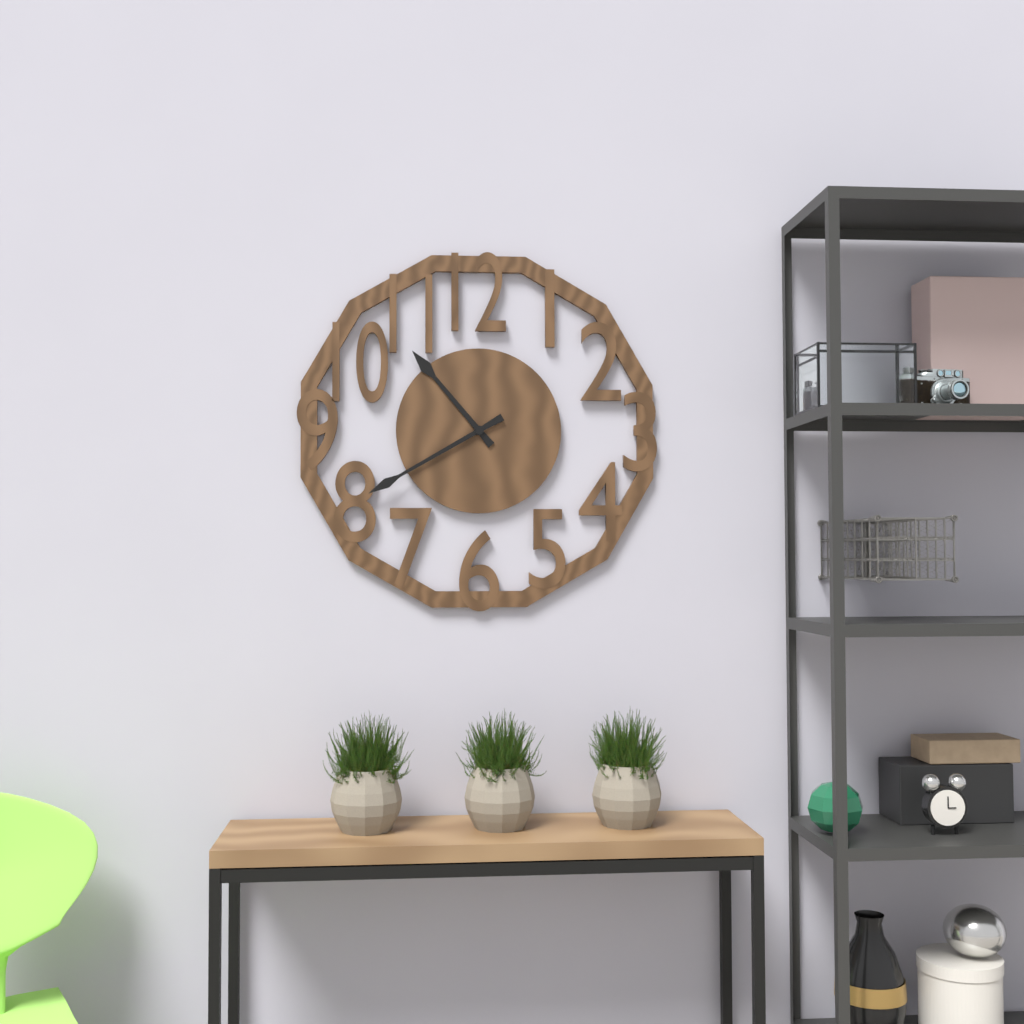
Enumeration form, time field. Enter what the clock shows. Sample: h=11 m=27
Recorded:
h=10 m=40
